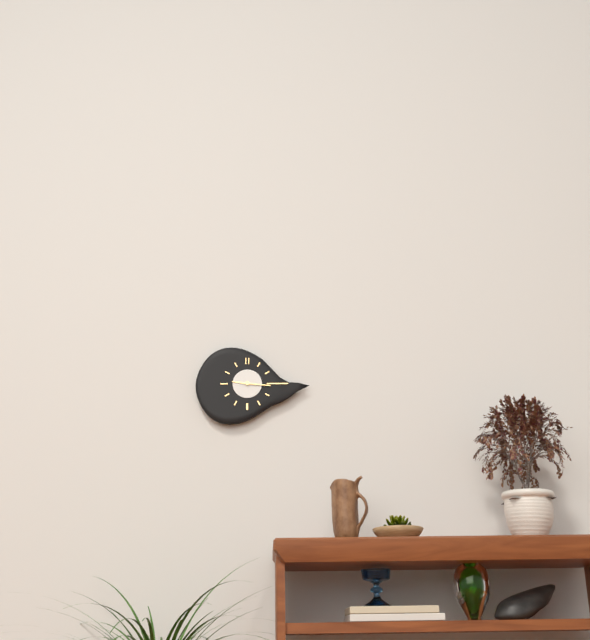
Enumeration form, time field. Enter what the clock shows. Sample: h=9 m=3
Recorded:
h=9 m=16
